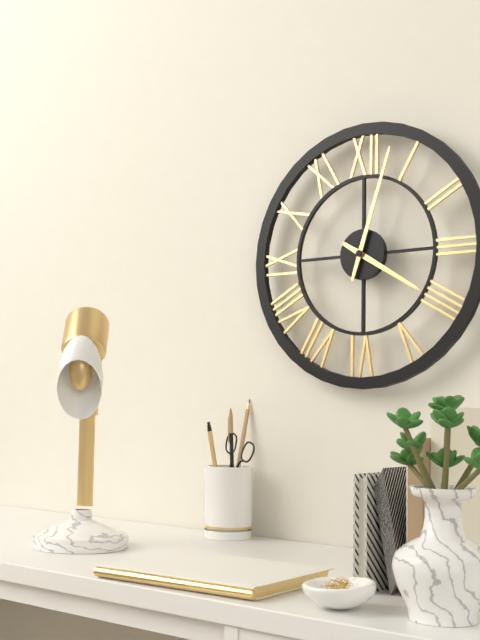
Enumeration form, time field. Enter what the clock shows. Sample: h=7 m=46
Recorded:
h=4 m=3
